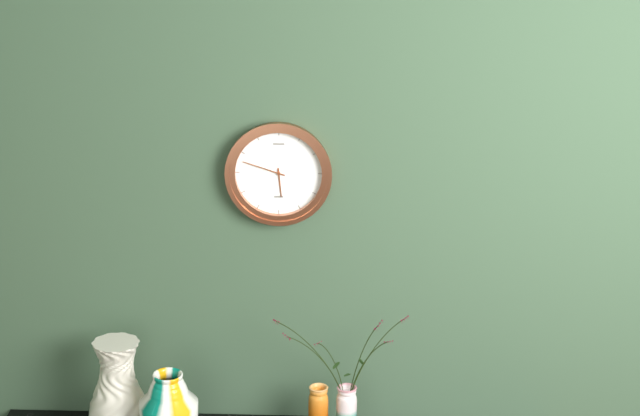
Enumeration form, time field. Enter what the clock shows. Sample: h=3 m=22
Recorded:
h=5 m=48
